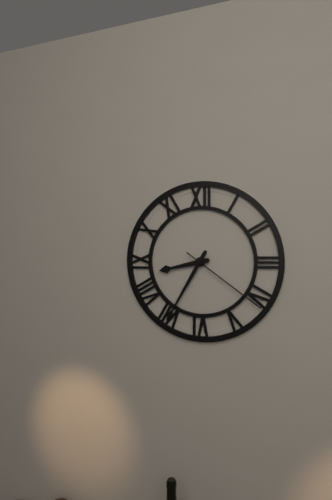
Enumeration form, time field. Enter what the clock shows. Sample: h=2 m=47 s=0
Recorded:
h=8 m=35 s=21
